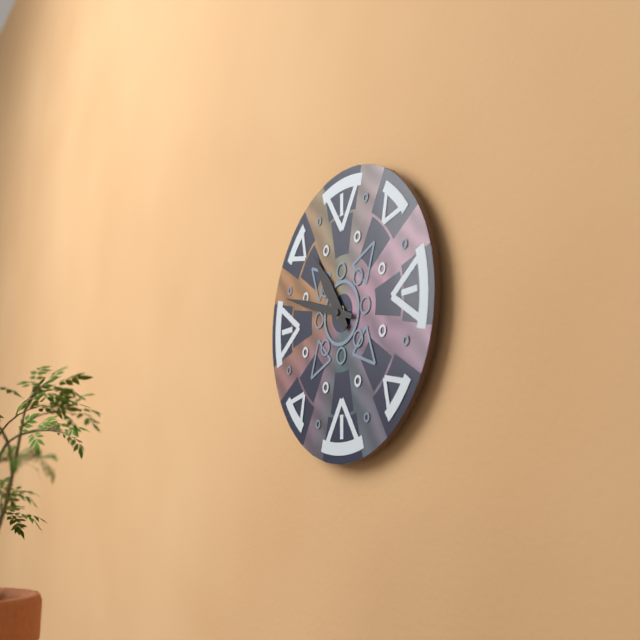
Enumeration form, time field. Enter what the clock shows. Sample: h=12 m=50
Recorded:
h=10 m=48
